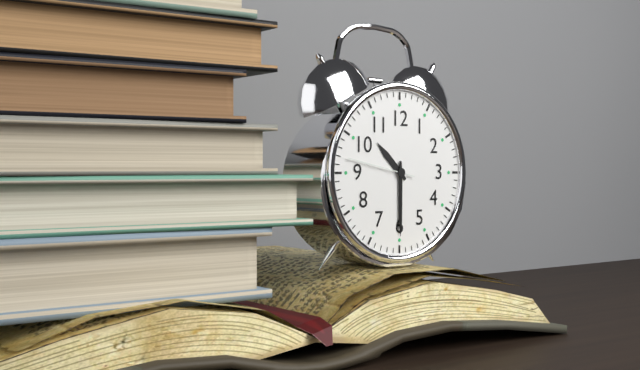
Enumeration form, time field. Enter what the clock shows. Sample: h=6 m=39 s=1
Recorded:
h=10 m=30 s=47
